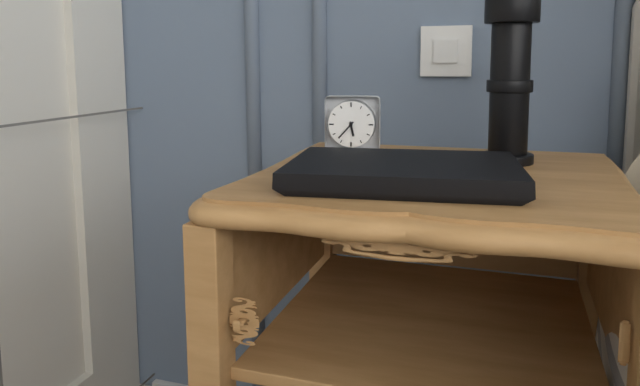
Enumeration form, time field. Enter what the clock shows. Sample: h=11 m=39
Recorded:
h=5 m=37
